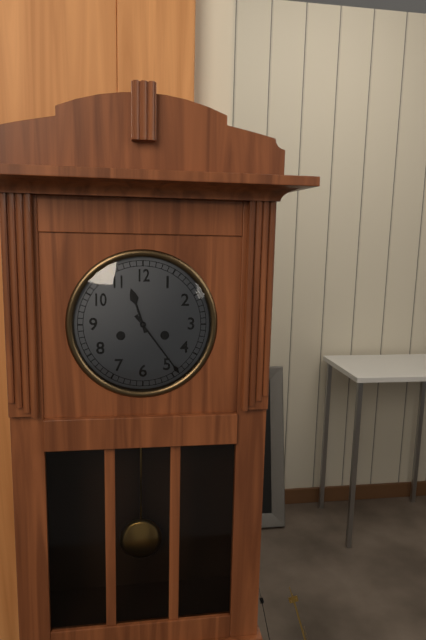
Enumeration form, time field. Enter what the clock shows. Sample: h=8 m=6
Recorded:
h=11 m=24
